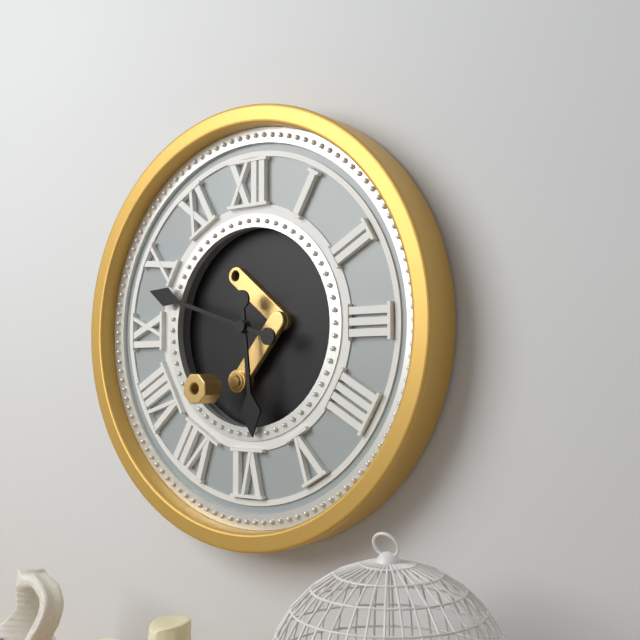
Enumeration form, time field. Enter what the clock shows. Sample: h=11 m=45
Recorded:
h=5 m=48
